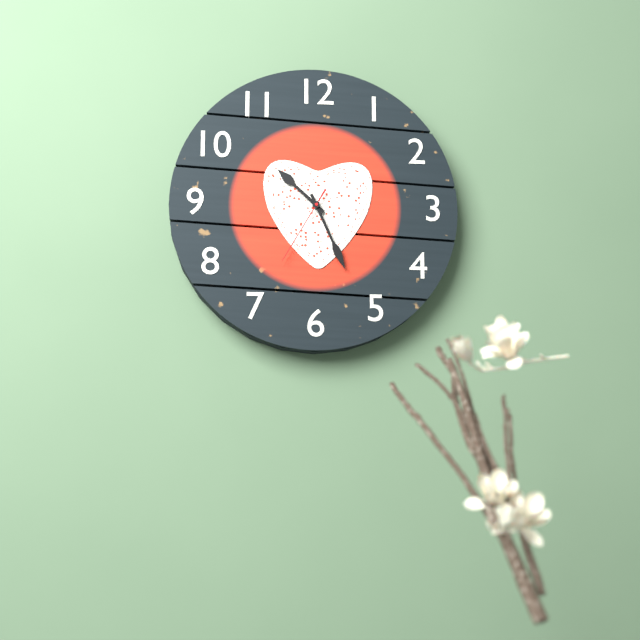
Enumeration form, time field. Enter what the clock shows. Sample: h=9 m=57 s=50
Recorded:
h=10 m=26 s=35
